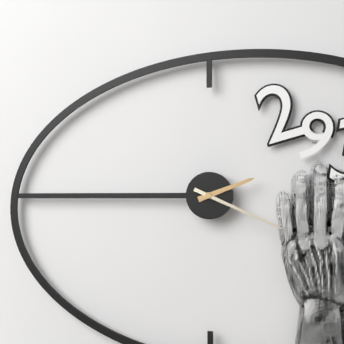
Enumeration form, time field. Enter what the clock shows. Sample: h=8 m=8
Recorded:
h=2 m=19
